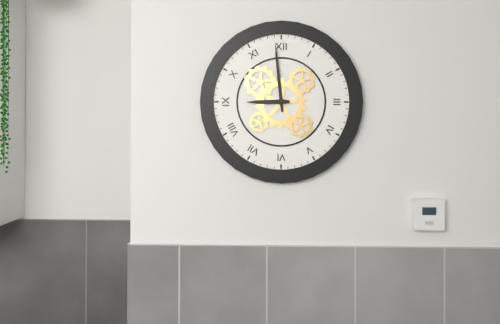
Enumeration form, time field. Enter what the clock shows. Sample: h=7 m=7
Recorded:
h=8 m=59
